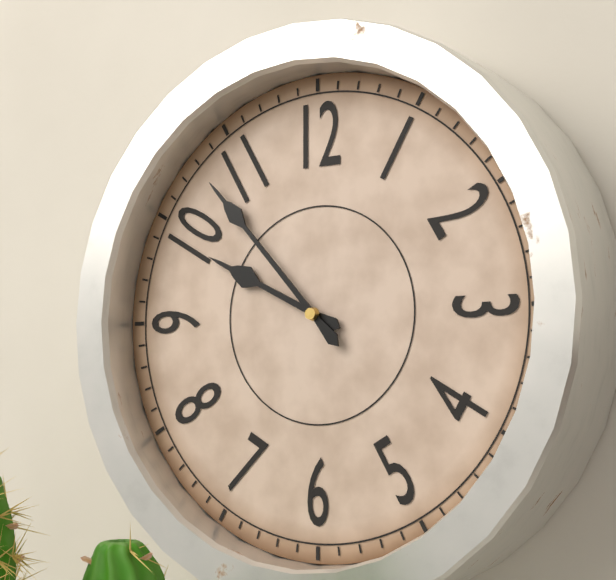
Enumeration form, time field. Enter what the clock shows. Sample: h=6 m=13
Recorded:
h=9 m=53
